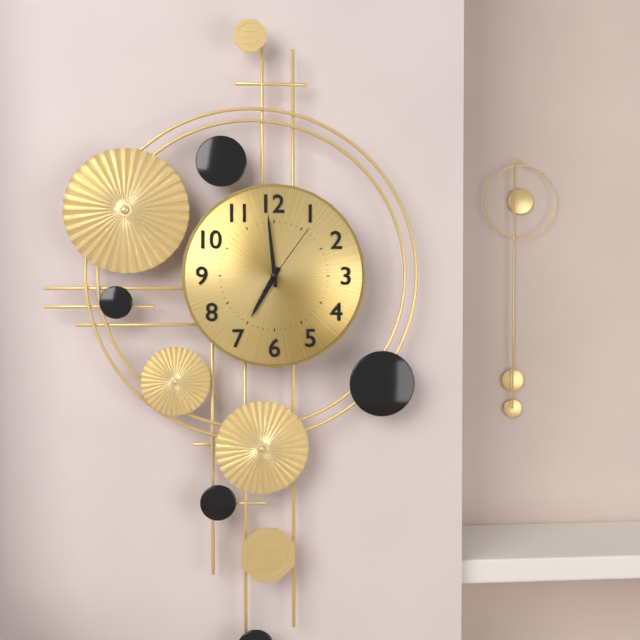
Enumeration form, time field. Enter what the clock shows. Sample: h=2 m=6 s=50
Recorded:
h=6 m=59 s=6
